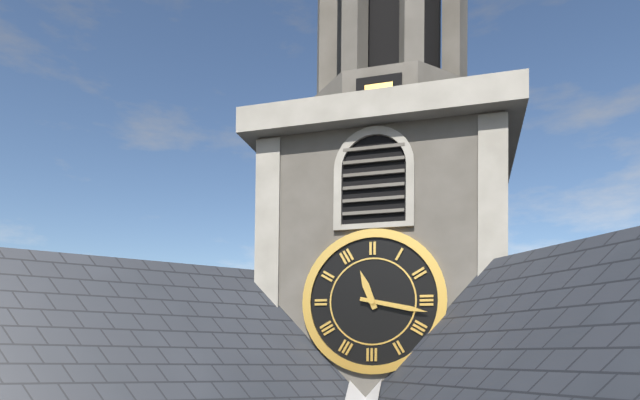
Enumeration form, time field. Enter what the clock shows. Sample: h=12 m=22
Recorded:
h=11 m=17
